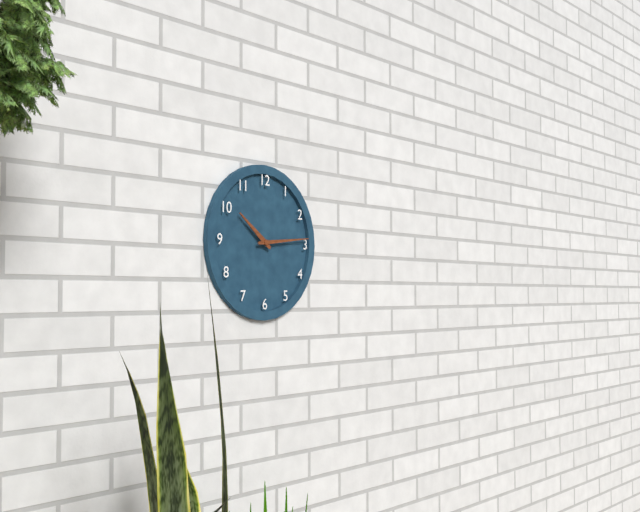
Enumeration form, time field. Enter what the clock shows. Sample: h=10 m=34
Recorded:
h=10 m=14
